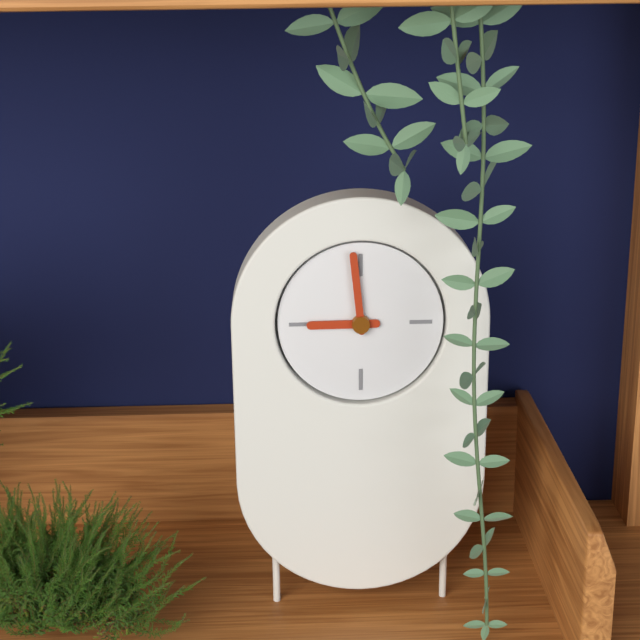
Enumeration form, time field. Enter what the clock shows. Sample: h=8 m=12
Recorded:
h=8 m=59
